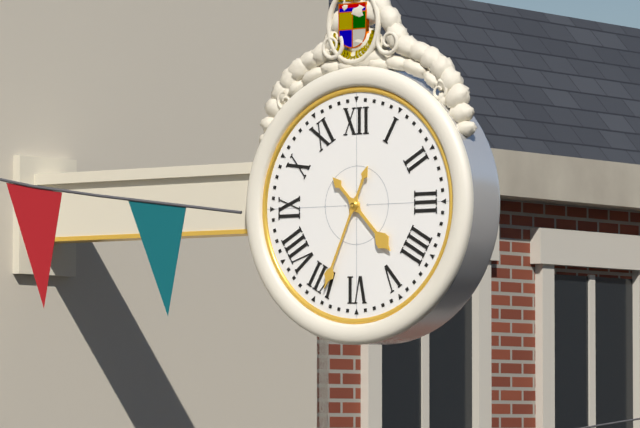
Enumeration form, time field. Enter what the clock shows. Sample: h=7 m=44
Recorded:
h=4 m=34
